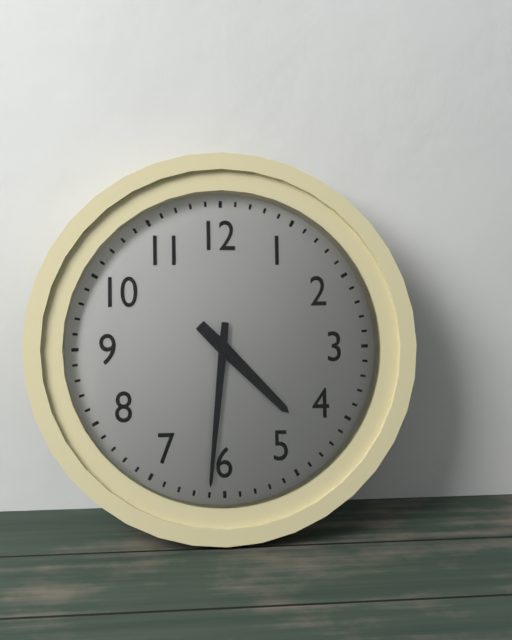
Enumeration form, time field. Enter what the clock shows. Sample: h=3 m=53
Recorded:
h=4 m=31
